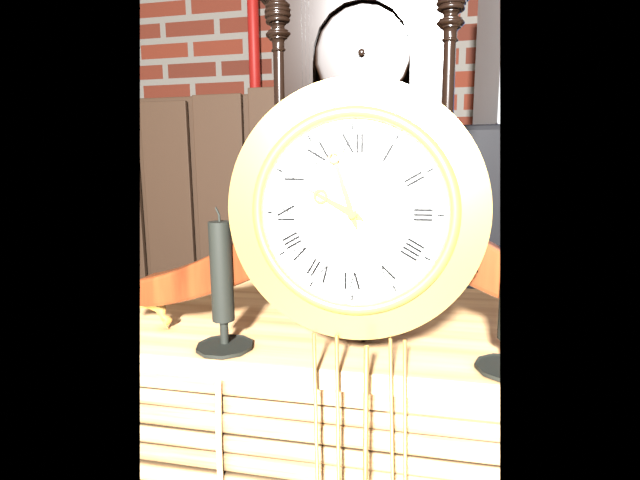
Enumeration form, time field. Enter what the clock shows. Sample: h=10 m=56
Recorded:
h=9 m=57
